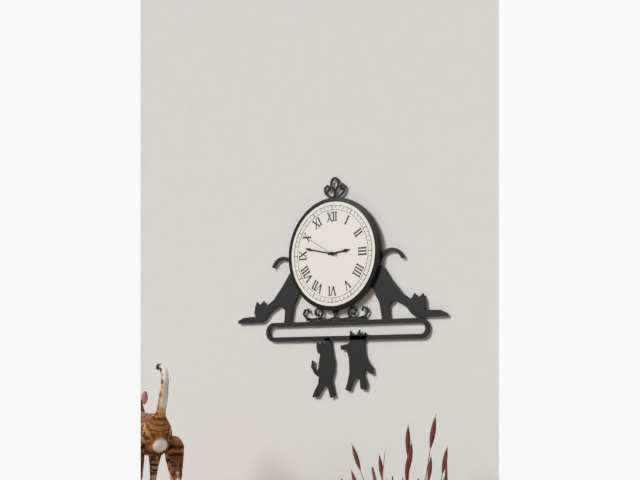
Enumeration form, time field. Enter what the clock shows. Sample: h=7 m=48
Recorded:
h=2 m=47
